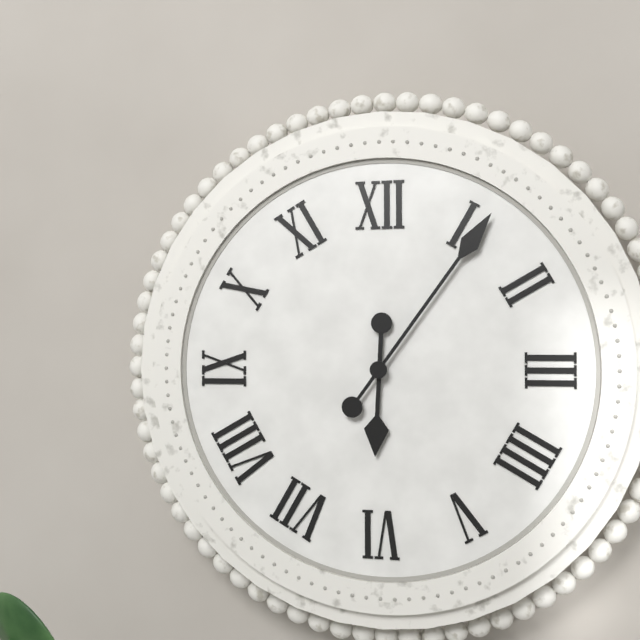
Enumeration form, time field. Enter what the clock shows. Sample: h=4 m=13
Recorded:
h=6 m=6
